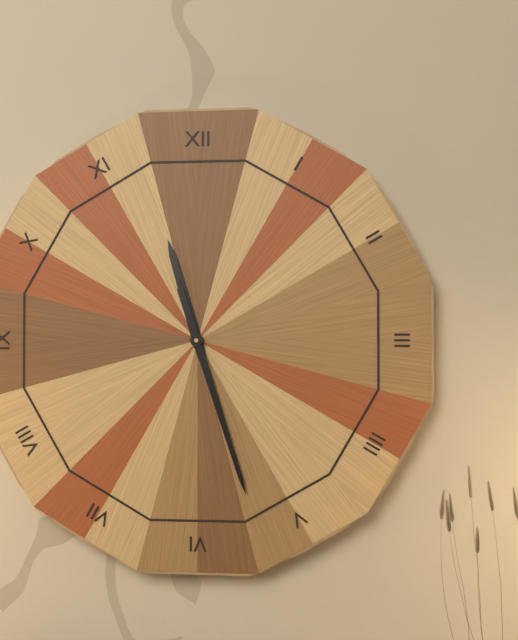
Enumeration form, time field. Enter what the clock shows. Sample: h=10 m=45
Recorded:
h=11 m=27
